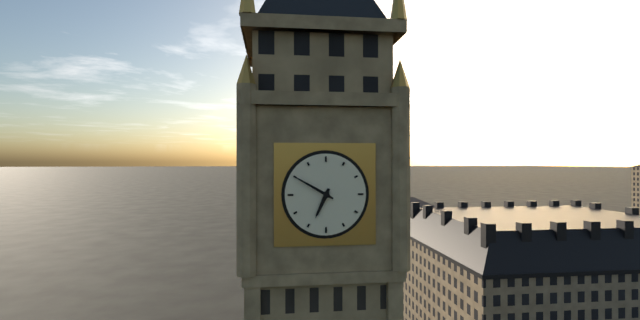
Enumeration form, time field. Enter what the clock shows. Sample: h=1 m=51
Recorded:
h=6 m=50
